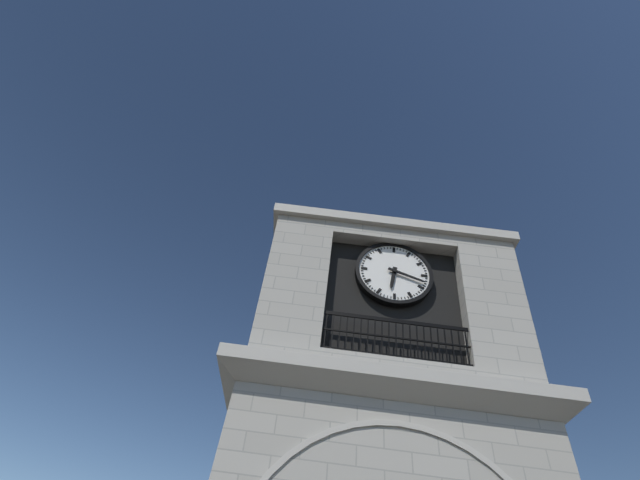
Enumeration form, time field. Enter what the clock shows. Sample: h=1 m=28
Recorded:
h=6 m=18
